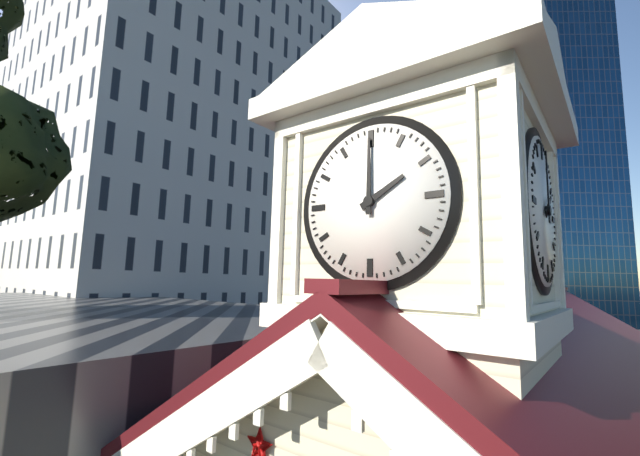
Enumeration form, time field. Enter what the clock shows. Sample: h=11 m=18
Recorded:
h=2 m=0
